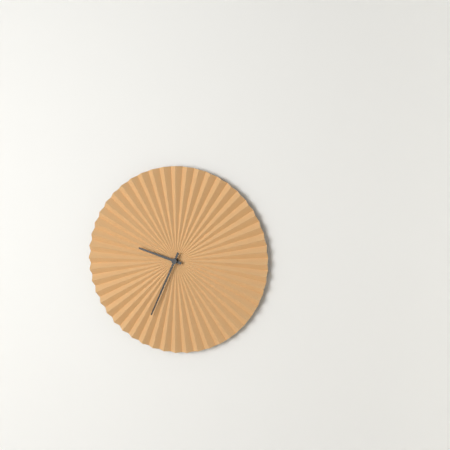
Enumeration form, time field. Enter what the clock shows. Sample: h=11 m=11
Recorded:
h=9 m=34
